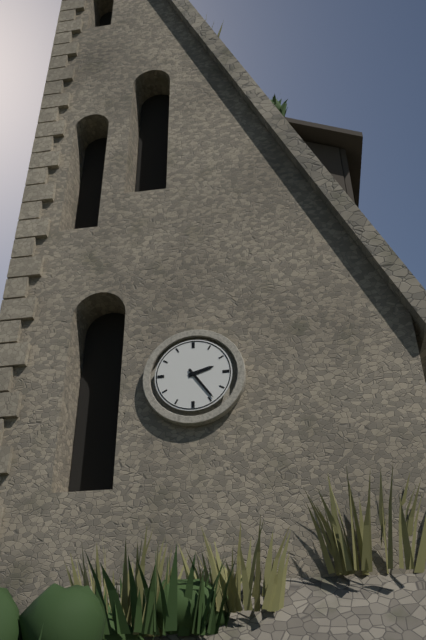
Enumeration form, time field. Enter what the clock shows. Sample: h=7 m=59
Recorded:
h=2 m=24
